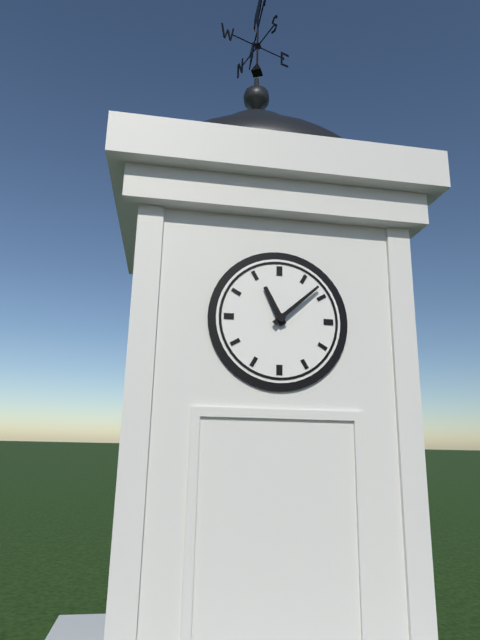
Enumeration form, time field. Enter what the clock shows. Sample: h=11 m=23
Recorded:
h=11 m=8
